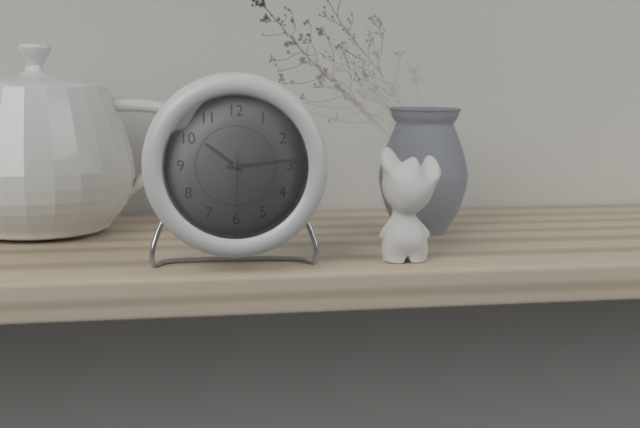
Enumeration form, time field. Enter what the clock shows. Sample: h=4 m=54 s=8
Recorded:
h=10 m=14 s=30
